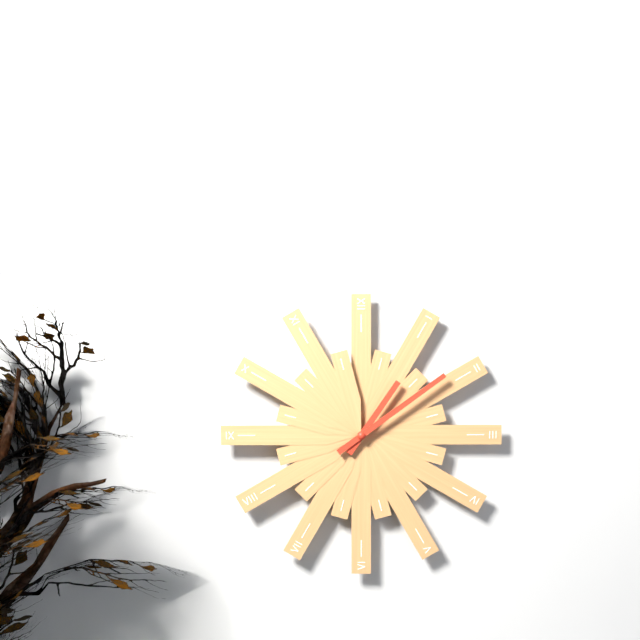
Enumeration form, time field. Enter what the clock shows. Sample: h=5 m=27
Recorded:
h=1 m=9
